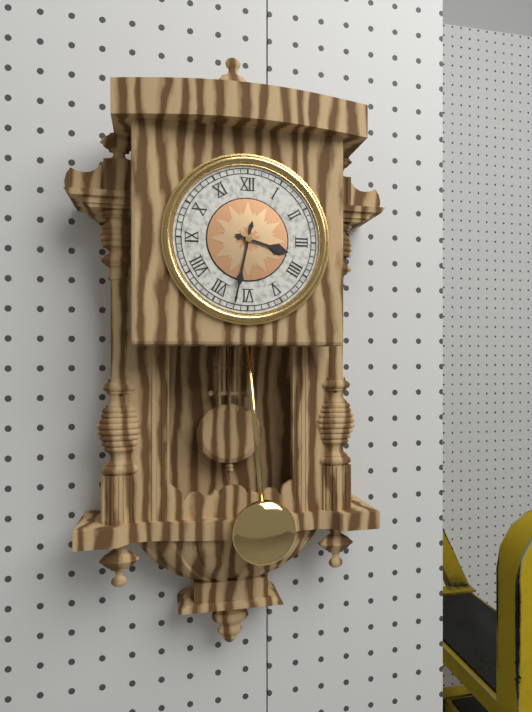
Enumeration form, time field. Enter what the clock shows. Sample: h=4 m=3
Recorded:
h=3 m=32
